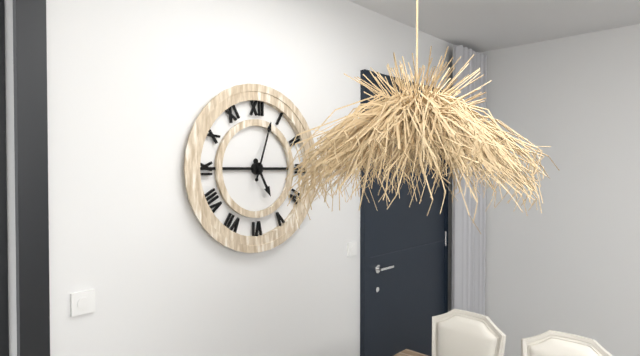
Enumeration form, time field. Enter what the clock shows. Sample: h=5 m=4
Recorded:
h=5 m=3
